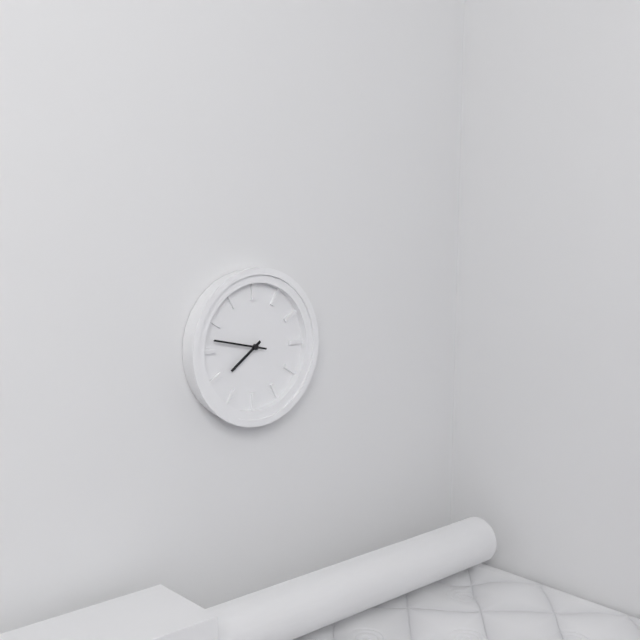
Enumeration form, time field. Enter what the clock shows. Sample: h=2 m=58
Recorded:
h=7 m=47
